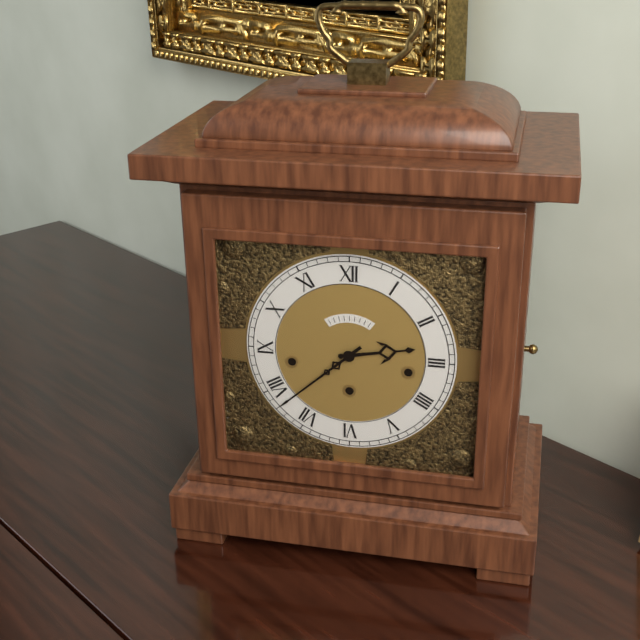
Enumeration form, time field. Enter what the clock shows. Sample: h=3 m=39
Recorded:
h=2 m=38
